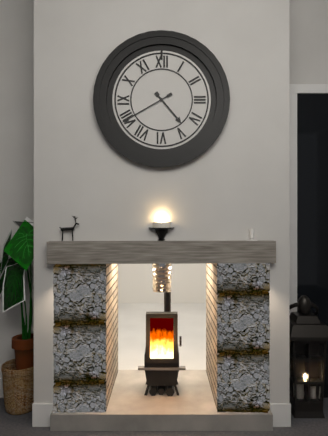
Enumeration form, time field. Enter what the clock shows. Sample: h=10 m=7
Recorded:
h=4 m=40
